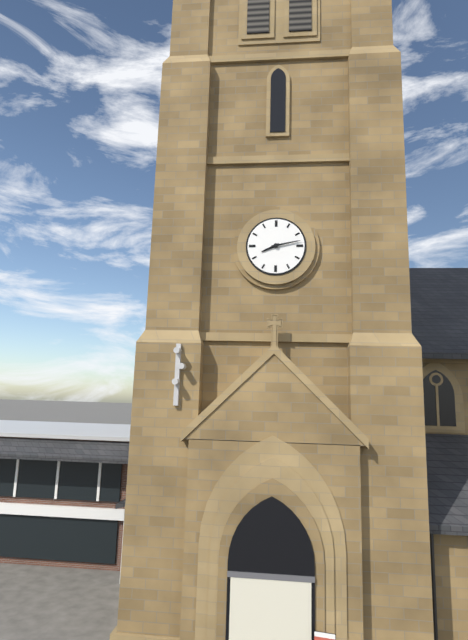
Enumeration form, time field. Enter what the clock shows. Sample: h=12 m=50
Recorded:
h=8 m=13
